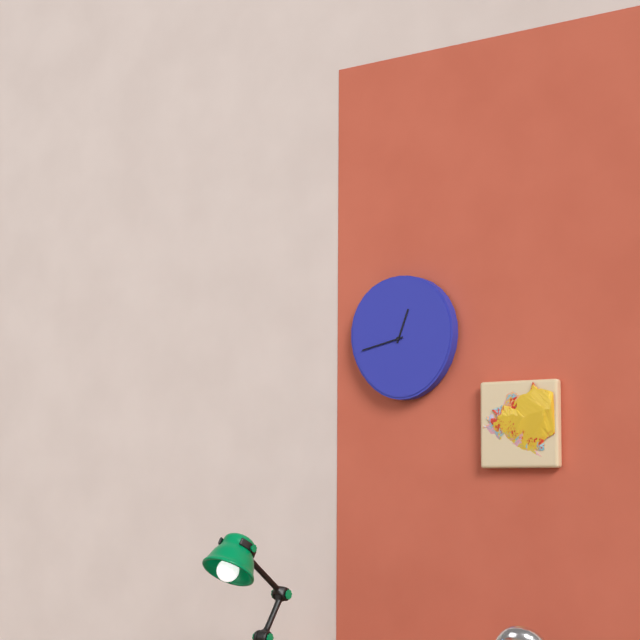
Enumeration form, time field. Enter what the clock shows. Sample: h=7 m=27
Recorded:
h=12 m=43
